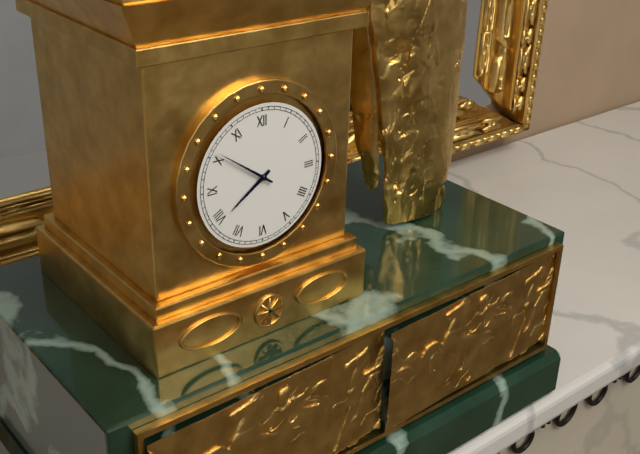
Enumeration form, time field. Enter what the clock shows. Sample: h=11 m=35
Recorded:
h=7 m=51
